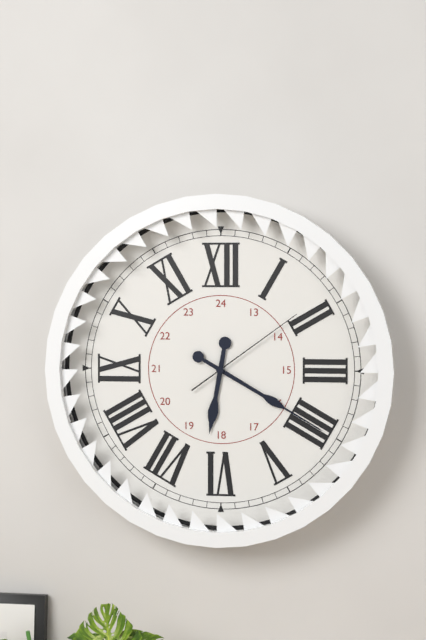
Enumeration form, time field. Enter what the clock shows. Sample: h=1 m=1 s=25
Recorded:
h=6 m=20 s=9
